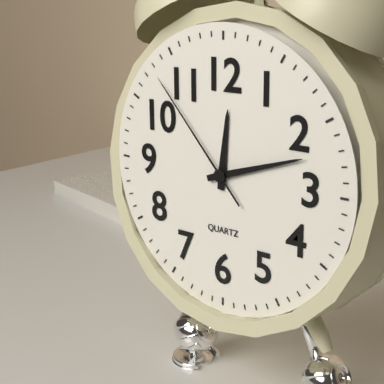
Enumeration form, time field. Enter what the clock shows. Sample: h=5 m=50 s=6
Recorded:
h=12 m=12 s=53
